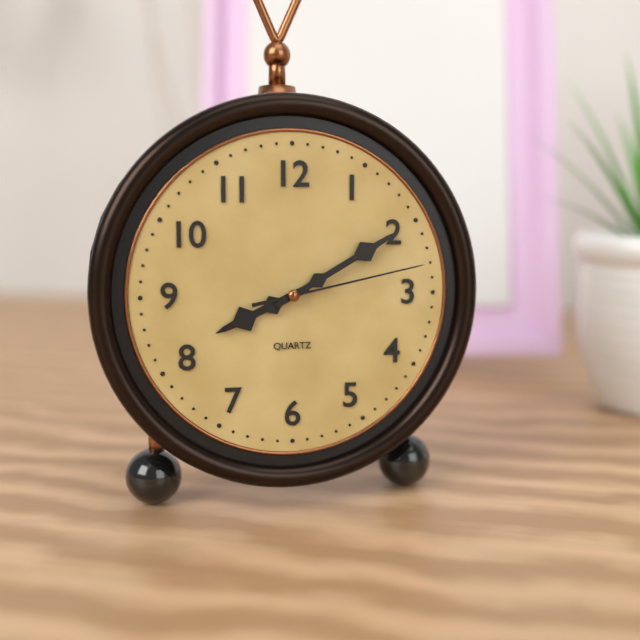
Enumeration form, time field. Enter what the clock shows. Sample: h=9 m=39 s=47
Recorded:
h=8 m=10 s=13
